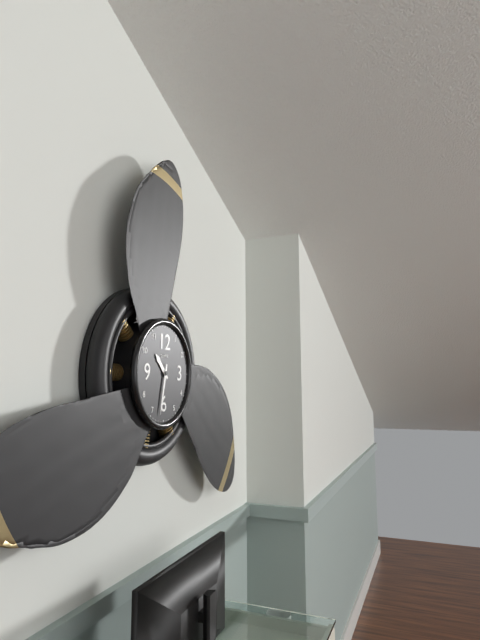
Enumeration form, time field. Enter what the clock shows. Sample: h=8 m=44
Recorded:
h=10 m=32
